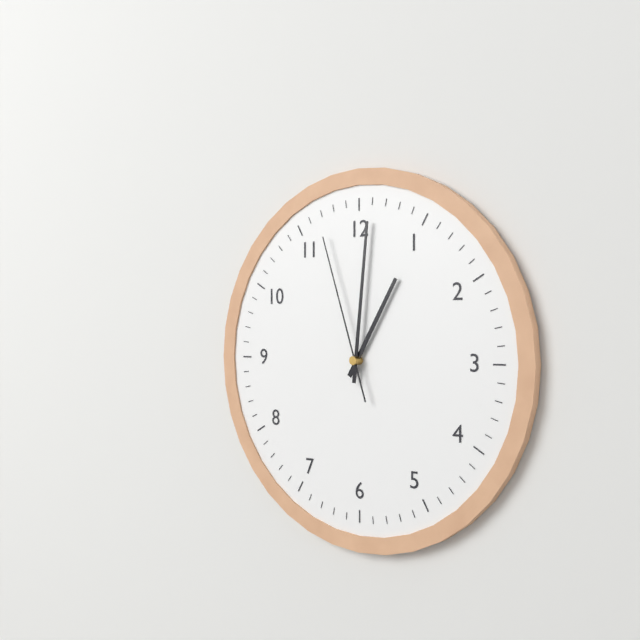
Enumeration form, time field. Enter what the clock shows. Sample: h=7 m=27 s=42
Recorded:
h=1 m=1 s=57
